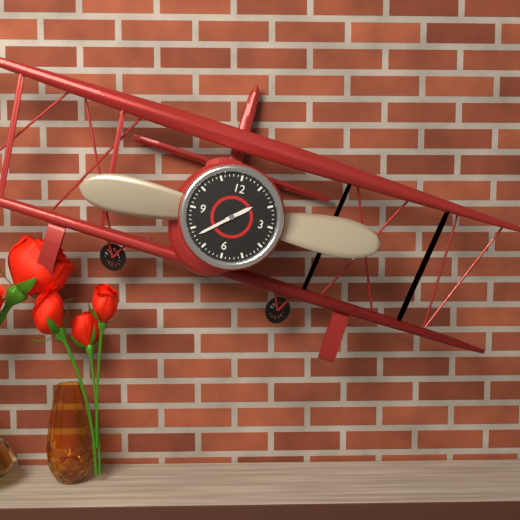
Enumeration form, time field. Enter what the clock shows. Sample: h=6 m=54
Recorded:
h=1 m=38
